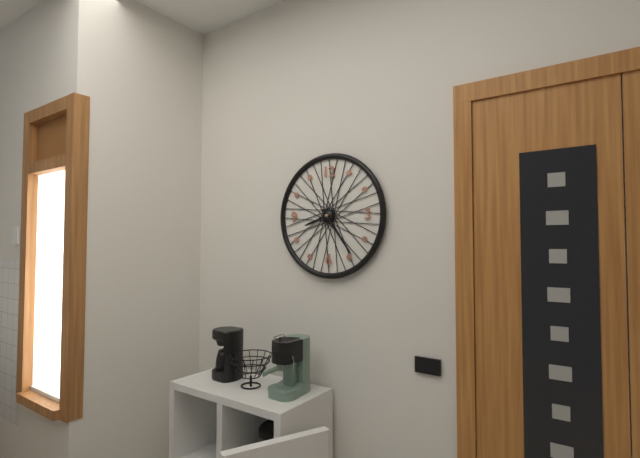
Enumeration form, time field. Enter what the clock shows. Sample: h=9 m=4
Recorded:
h=8 m=24
